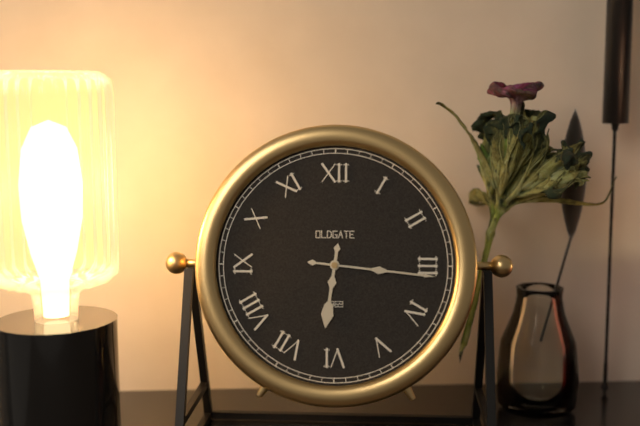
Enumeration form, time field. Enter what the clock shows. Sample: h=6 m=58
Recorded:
h=6 m=16
